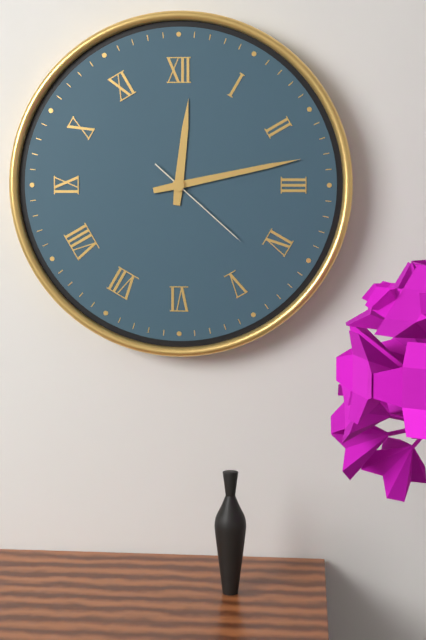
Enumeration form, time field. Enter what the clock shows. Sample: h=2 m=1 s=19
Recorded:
h=12 m=13 s=22
